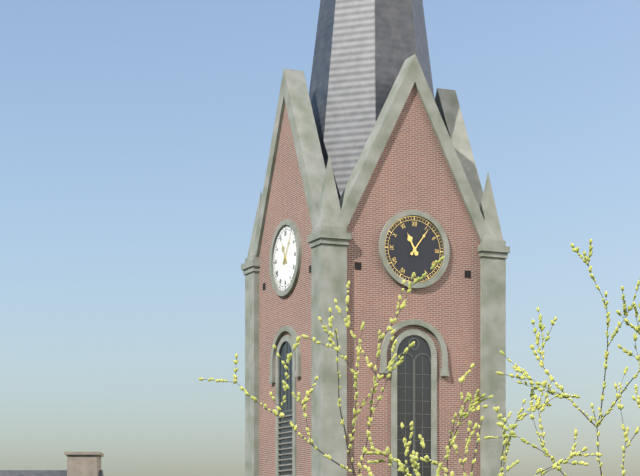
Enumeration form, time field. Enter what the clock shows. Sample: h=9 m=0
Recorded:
h=11 m=6
